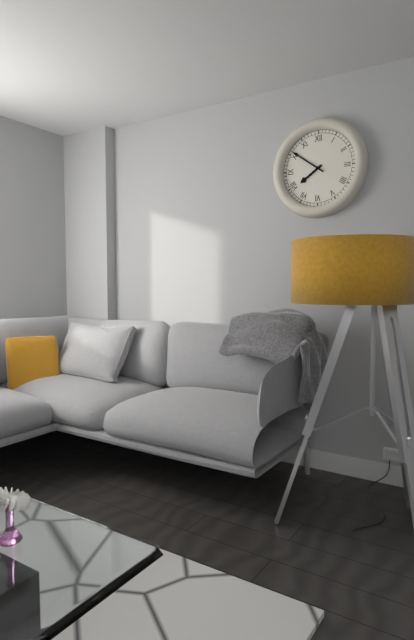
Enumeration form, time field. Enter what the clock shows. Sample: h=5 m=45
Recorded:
h=7 m=51
